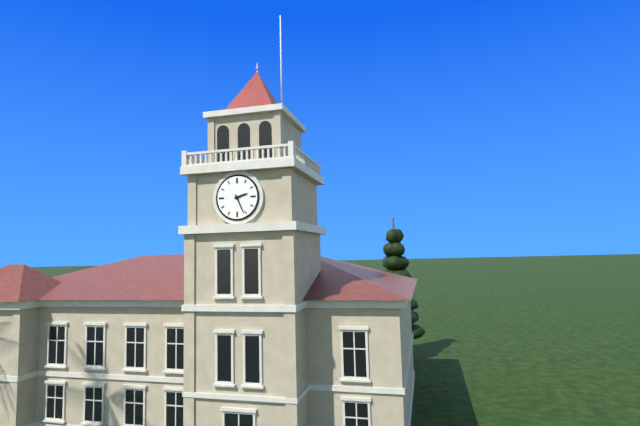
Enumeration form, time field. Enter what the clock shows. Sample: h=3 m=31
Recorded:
h=2 m=26
